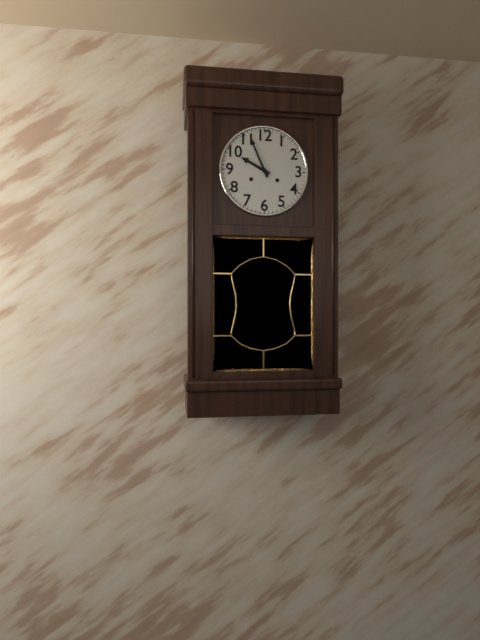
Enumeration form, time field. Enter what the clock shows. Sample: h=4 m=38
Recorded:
h=9 m=56
